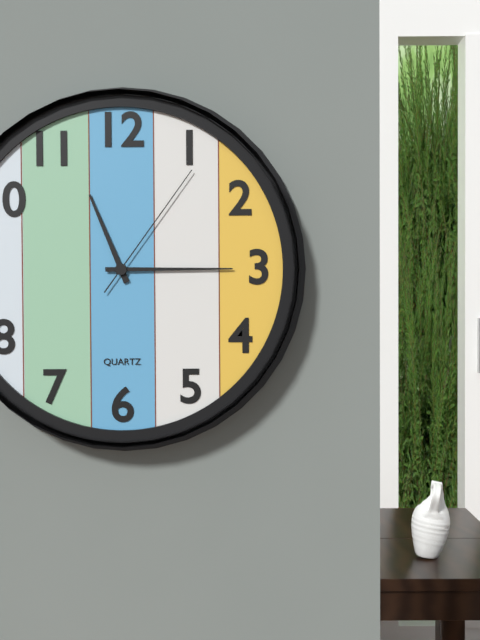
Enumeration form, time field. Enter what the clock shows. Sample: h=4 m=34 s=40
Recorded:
h=11 m=15 s=6
